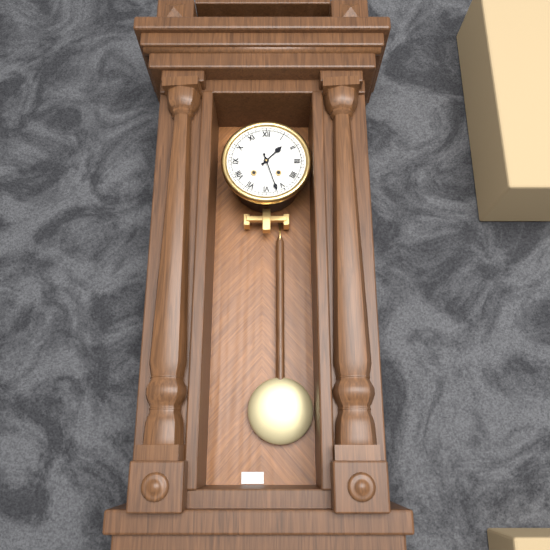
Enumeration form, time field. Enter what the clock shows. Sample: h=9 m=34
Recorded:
h=1 m=27
